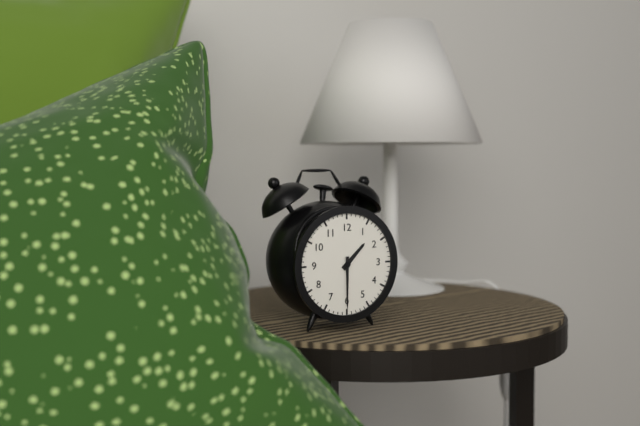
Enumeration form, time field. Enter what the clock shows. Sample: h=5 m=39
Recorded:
h=1 m=30
